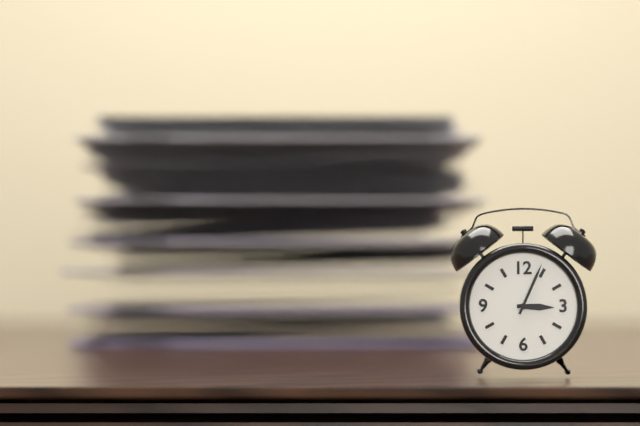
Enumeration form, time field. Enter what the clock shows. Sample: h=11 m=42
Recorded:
h=3 m=4
